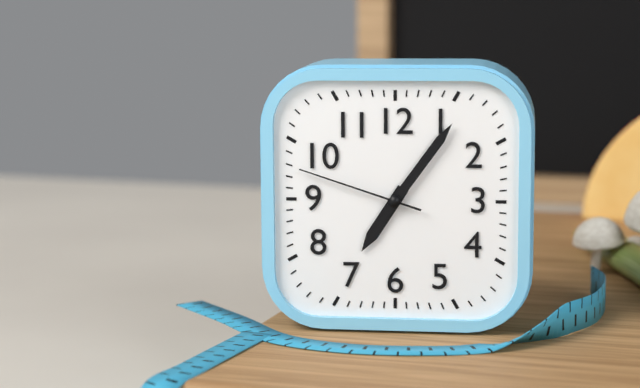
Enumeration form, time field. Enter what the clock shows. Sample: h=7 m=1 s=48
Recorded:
h=7 m=6 s=48
